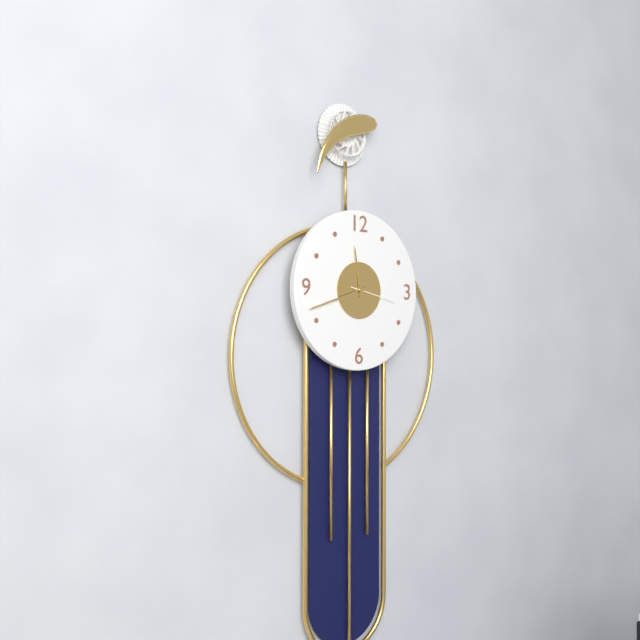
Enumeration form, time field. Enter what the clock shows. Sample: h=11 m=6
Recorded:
h=11 m=42
